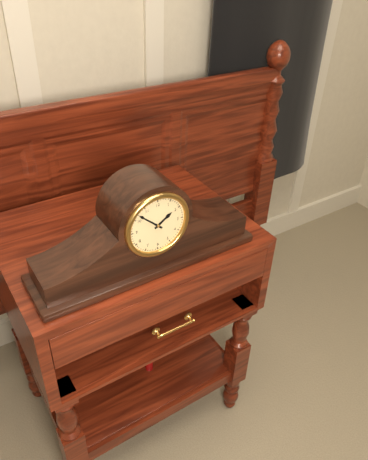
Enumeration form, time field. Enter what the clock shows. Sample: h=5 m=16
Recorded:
h=1 m=52
